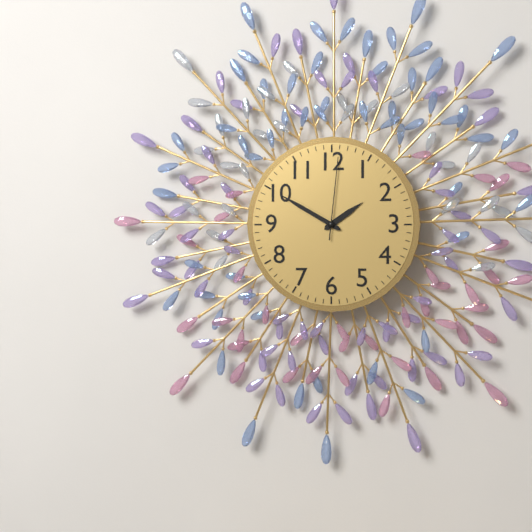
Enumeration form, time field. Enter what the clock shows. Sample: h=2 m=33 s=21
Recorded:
h=1 m=50 s=1
